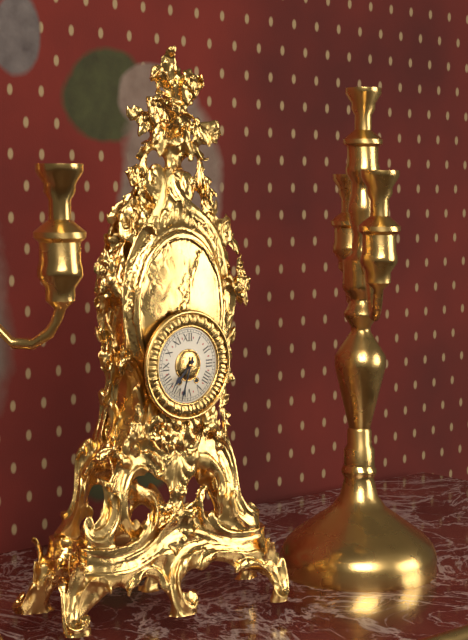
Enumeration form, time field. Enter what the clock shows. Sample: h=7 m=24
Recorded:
h=7 m=33
